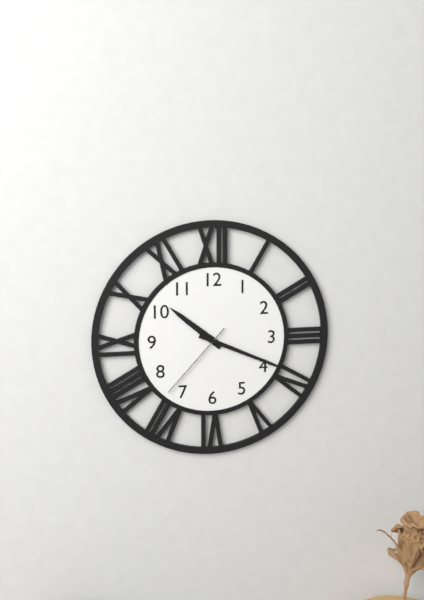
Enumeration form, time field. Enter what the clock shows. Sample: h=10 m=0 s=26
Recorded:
h=10 m=19 s=37
